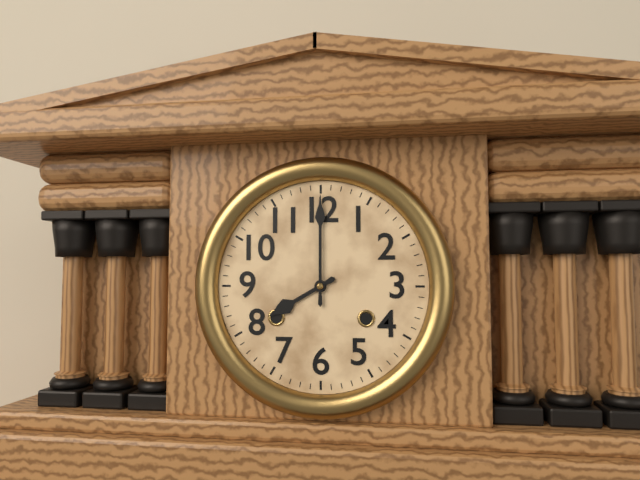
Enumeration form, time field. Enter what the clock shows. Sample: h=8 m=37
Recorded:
h=8 m=0
